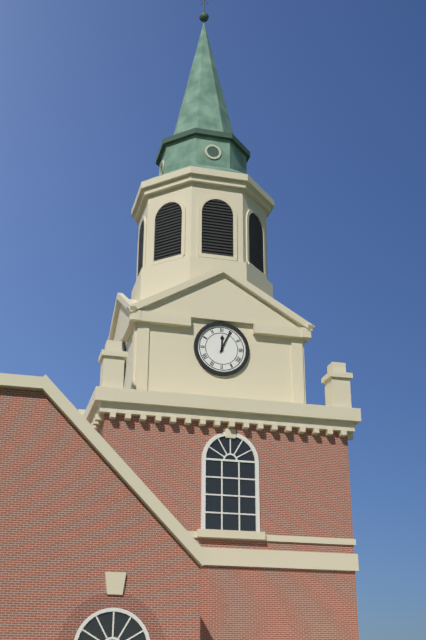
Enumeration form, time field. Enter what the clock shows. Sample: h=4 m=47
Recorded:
h=12 m=4
